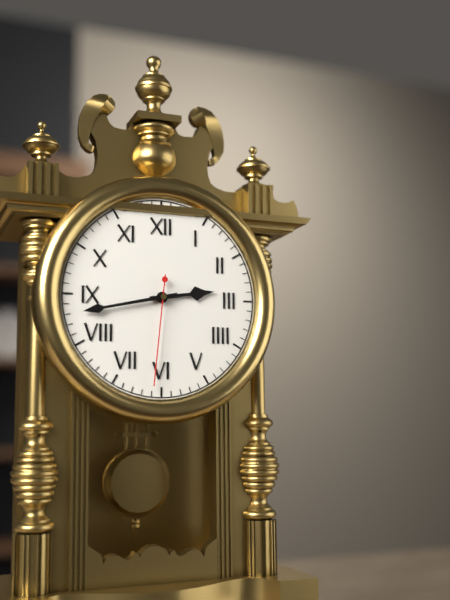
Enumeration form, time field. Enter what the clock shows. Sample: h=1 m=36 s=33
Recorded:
h=2 m=43 s=31
